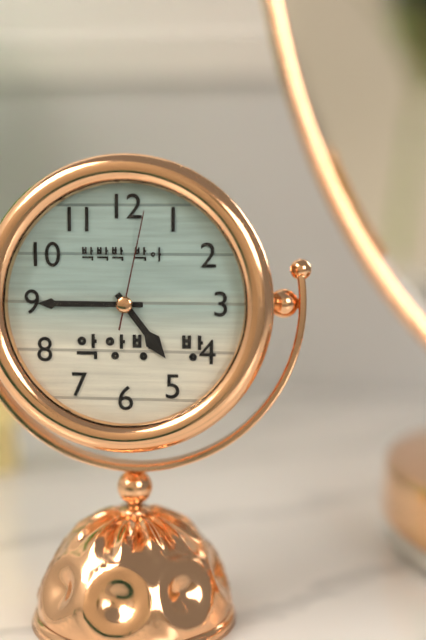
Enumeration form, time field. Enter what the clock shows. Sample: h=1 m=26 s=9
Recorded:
h=4 m=45 s=2
